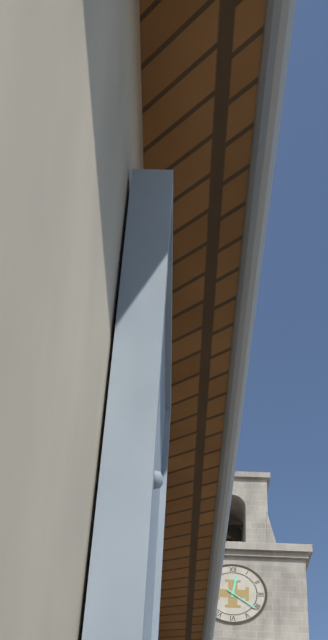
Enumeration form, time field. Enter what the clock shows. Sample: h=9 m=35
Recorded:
h=12 m=21
